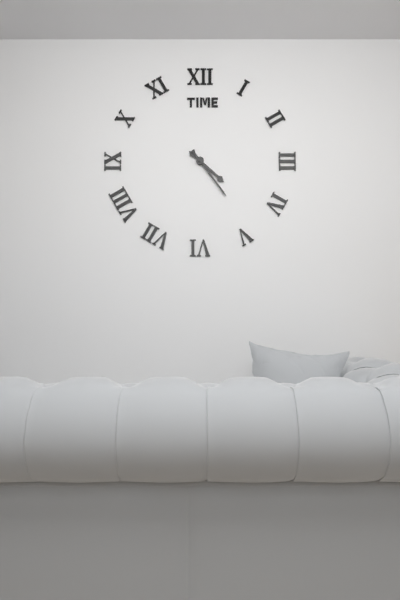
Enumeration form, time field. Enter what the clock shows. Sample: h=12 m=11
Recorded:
h=4 m=24
